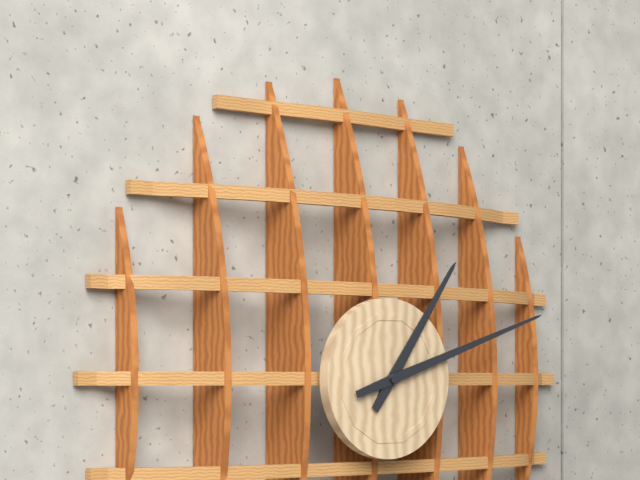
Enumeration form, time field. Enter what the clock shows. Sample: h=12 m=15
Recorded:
h=1 m=12
